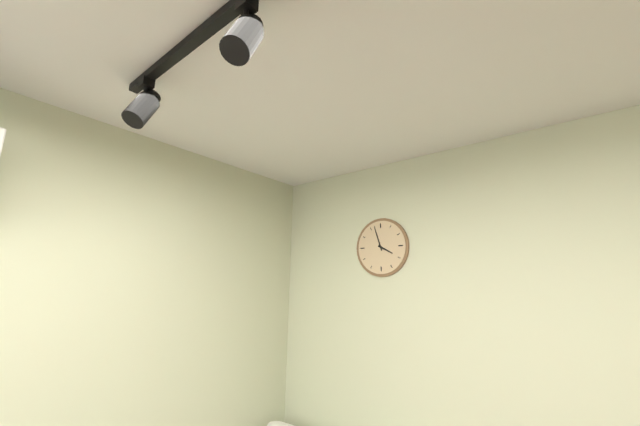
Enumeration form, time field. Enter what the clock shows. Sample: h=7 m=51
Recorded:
h=3 m=57
